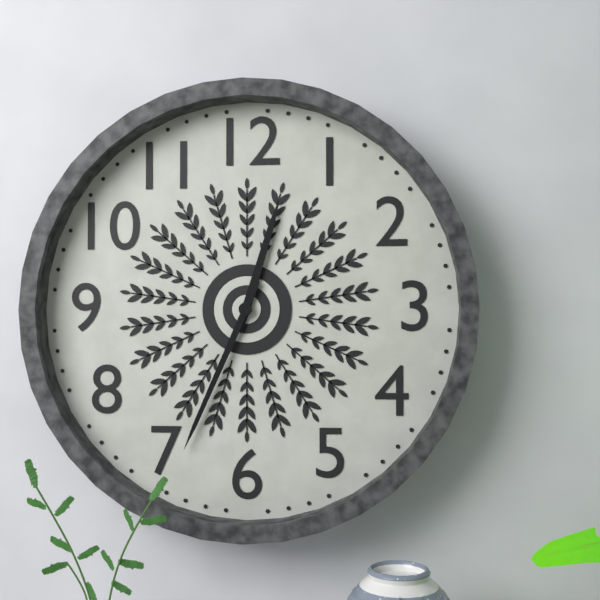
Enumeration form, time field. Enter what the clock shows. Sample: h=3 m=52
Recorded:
h=12 m=34
